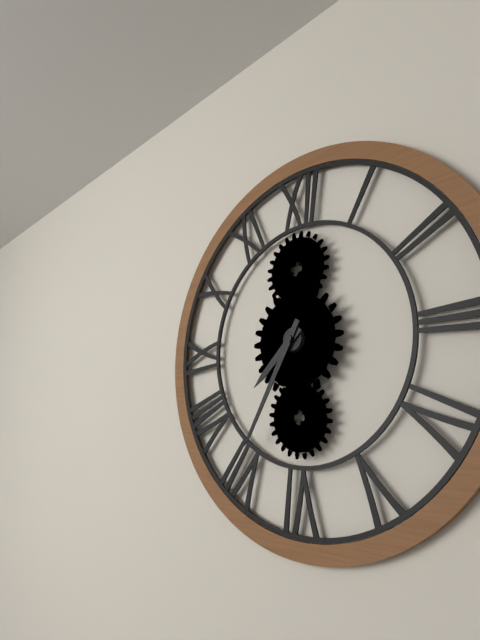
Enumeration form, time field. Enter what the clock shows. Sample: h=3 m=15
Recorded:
h=7 m=35
